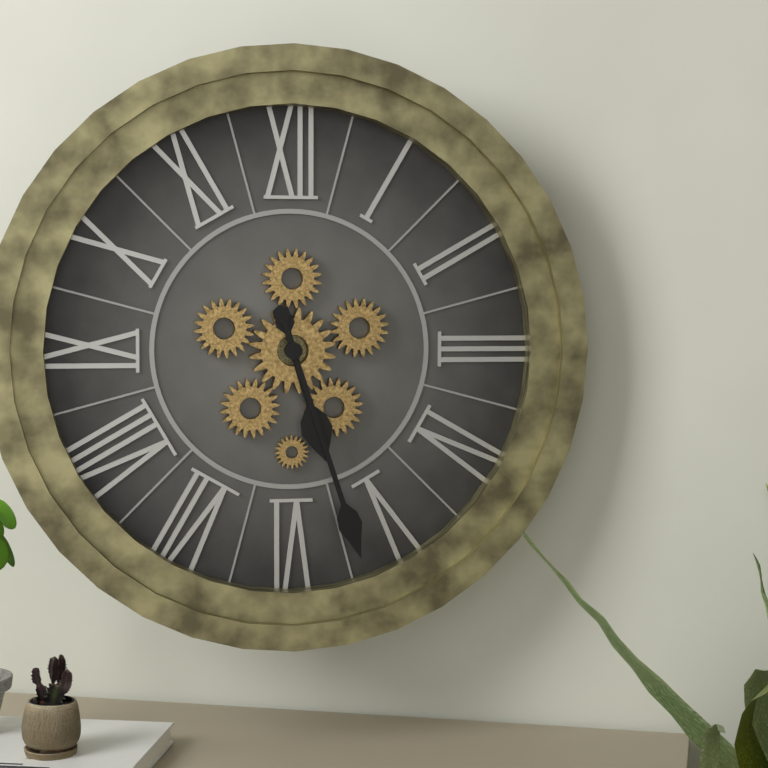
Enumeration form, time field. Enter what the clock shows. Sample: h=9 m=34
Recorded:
h=5 m=27
